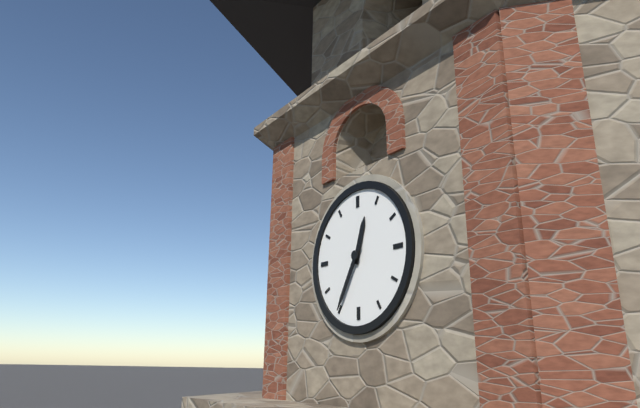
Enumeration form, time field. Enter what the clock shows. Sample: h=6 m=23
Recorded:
h=12 m=35
